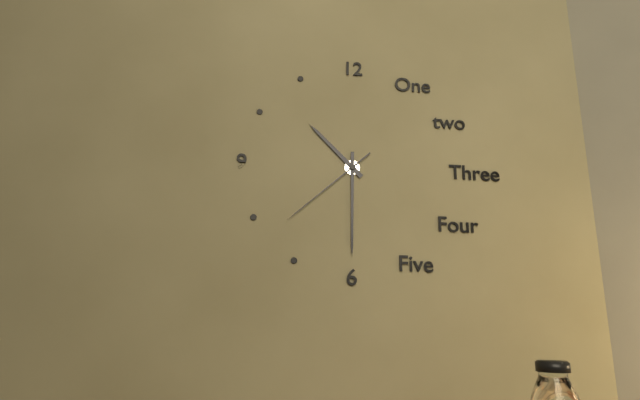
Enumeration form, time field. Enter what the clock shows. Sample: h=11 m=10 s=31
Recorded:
h=10 m=30 s=38
